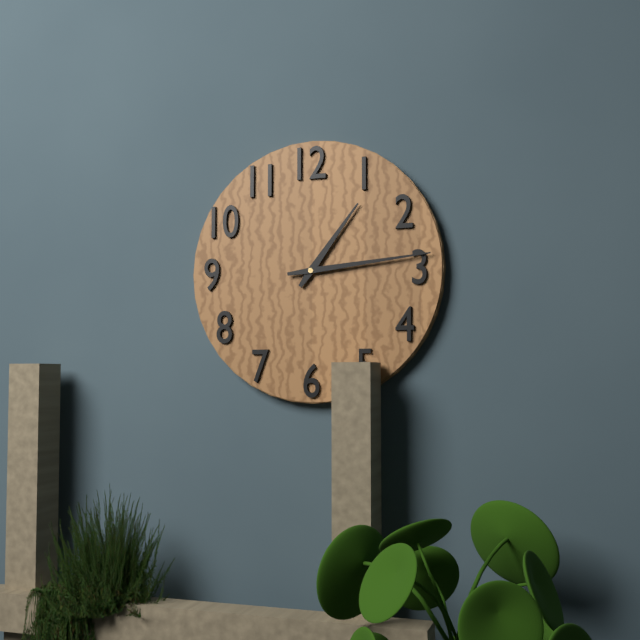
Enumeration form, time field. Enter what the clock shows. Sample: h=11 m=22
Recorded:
h=1 m=14
